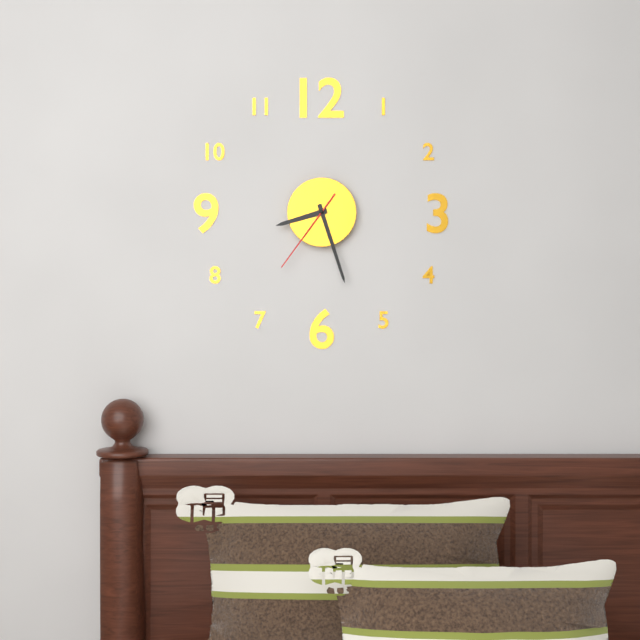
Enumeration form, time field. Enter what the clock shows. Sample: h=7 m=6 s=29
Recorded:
h=8 m=27 s=36
